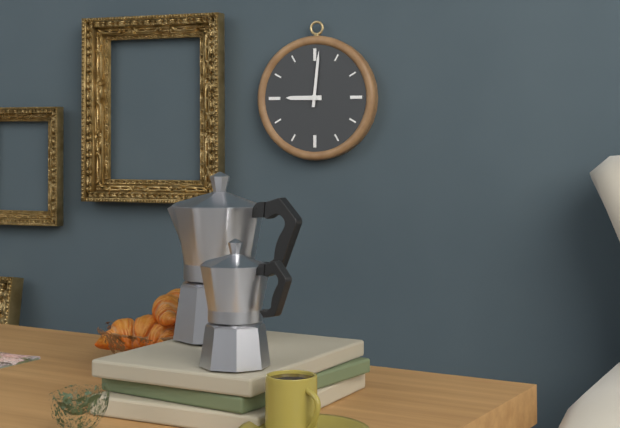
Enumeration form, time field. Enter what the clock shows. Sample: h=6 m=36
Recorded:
h=9 m=1
